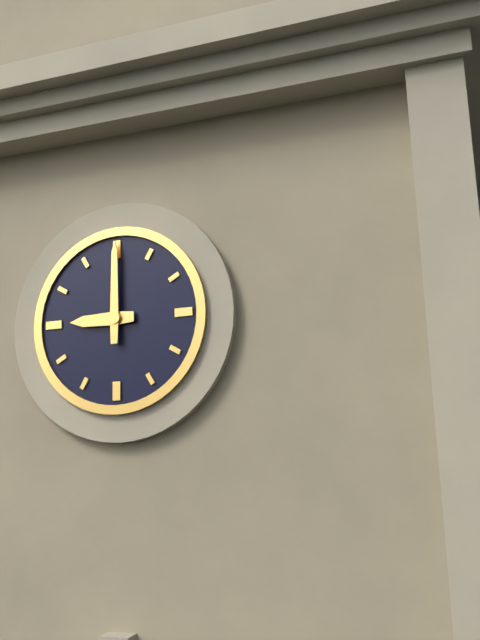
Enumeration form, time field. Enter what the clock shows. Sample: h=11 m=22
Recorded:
h=9 m=0
